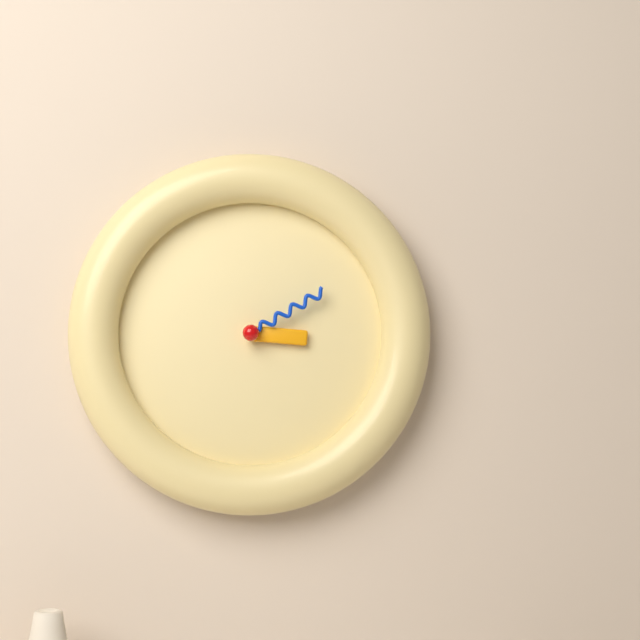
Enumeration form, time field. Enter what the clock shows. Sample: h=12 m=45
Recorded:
h=3 m=10
